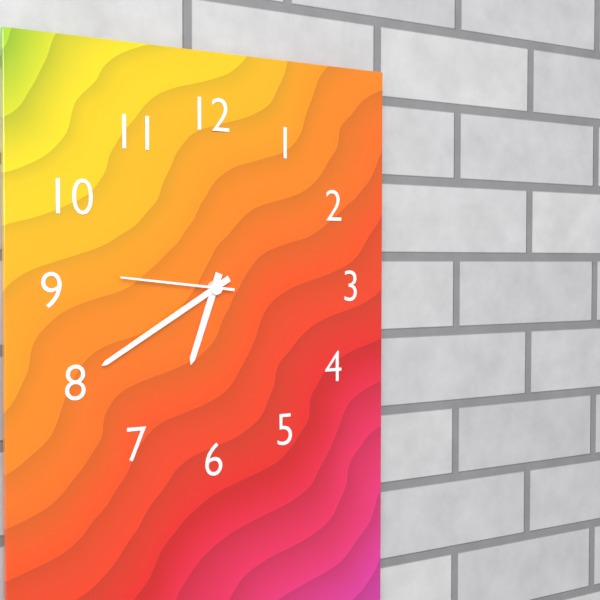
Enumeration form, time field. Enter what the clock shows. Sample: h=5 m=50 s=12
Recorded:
h=6 m=40 s=46
